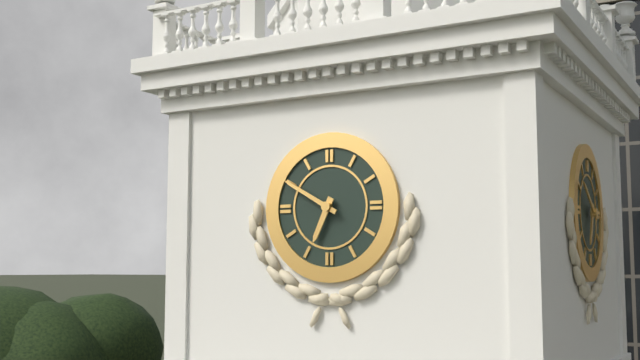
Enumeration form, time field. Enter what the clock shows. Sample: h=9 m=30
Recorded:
h=6 m=50
